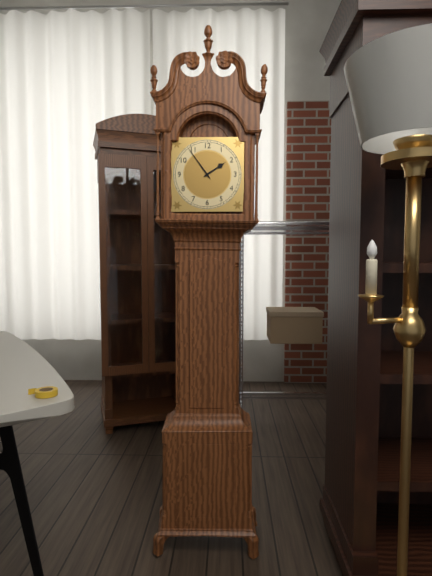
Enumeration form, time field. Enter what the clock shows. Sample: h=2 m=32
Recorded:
h=1 m=54
